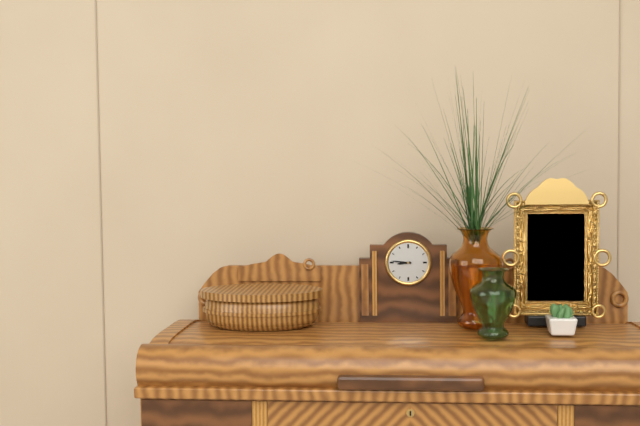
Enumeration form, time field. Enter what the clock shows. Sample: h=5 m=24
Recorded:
h=8 m=46
